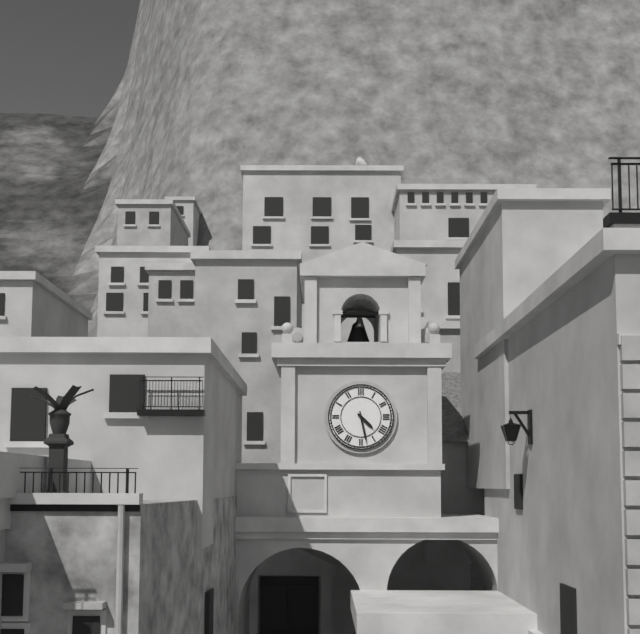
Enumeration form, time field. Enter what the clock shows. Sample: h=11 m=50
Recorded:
h=4 m=28
